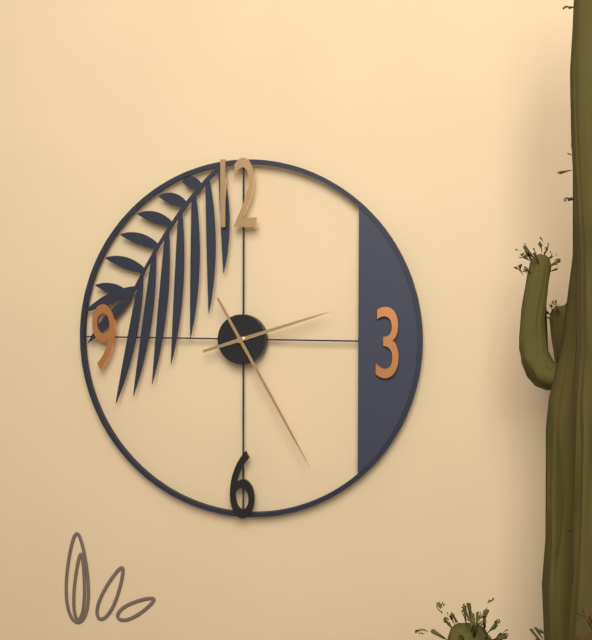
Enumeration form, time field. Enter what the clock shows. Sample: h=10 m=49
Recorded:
h=2 m=25
